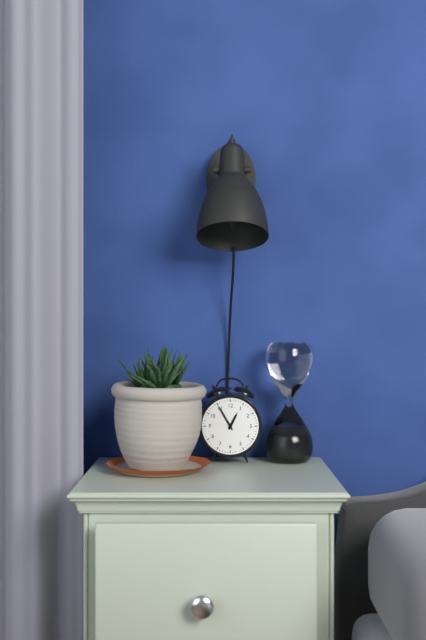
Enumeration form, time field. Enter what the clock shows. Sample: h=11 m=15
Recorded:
h=12 m=55
